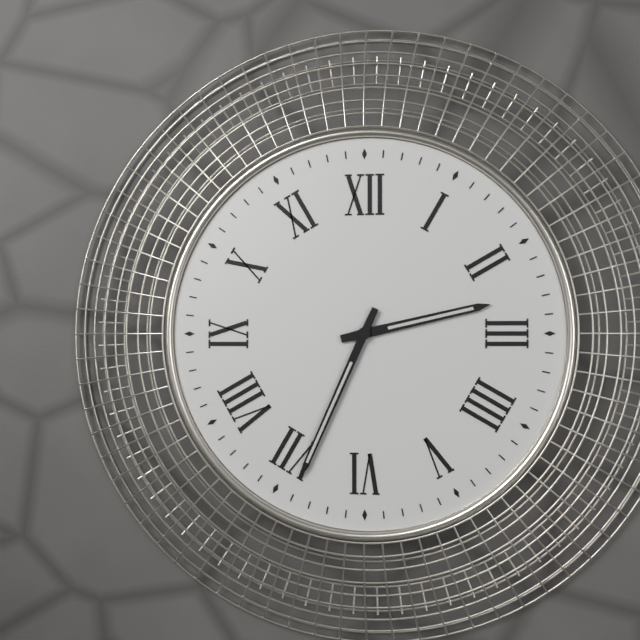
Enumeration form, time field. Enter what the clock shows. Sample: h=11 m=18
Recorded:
h=2 m=34
